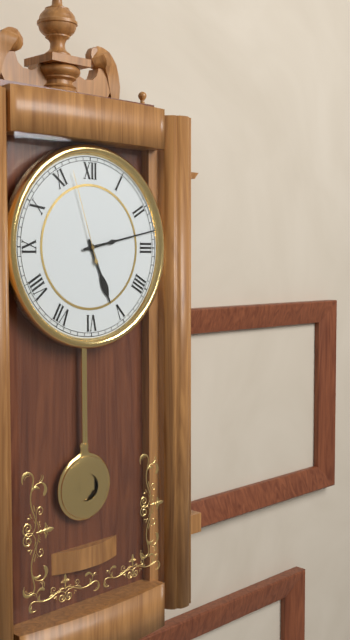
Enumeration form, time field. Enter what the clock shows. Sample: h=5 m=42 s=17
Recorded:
h=5 m=13 s=57
